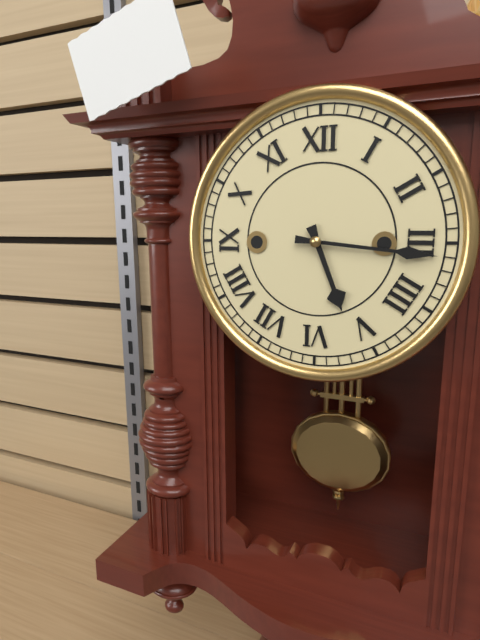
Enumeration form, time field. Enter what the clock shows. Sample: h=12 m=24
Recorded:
h=5 m=16
